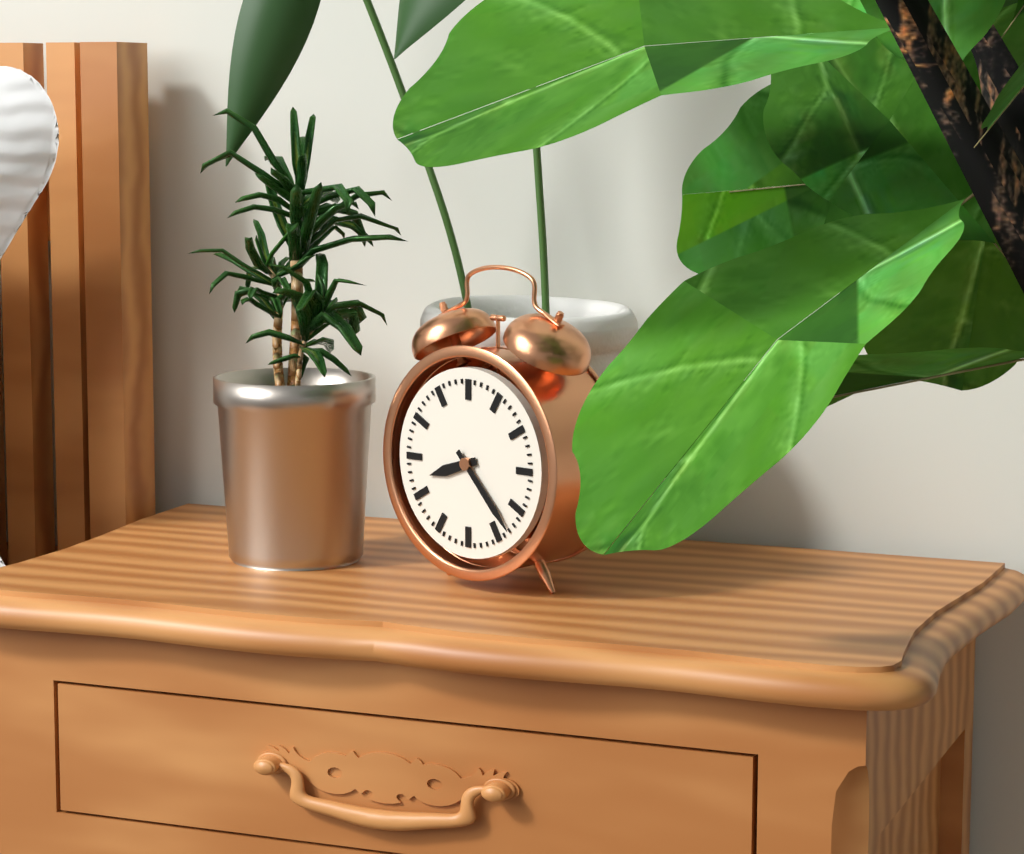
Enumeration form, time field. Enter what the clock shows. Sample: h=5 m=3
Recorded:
h=8 m=23
